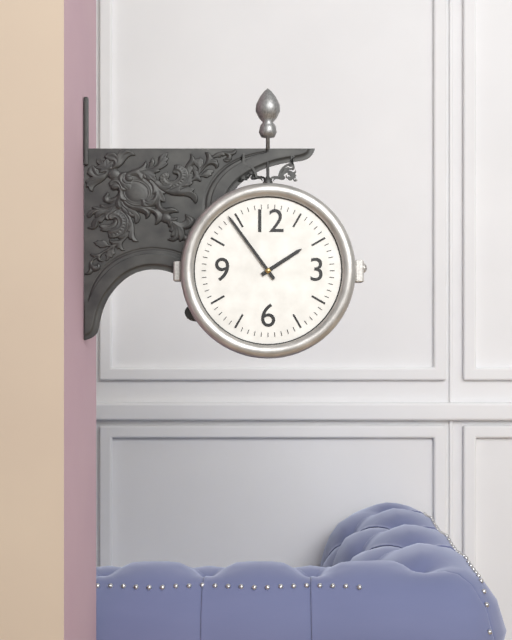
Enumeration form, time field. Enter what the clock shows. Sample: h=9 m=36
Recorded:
h=1 m=54
